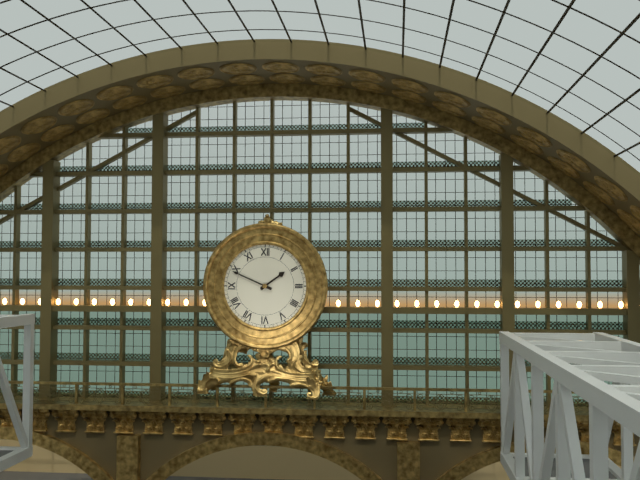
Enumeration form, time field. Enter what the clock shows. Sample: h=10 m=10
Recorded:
h=1 m=49
